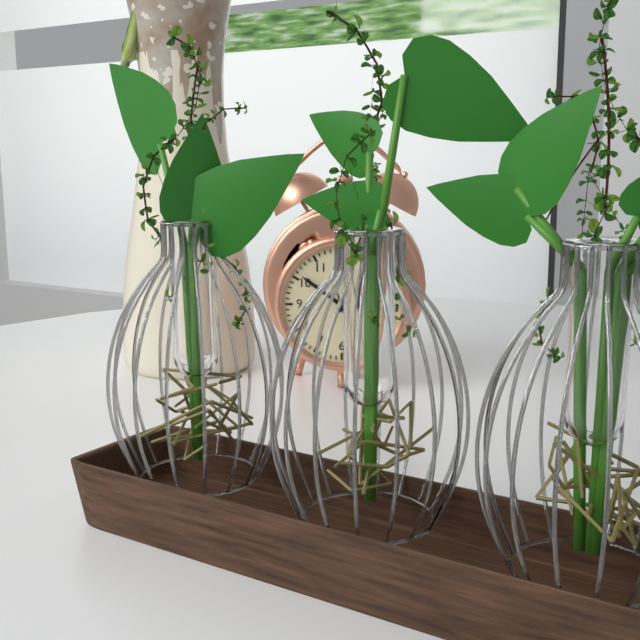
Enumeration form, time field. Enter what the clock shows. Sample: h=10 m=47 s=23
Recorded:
h=12 m=51 s=27
